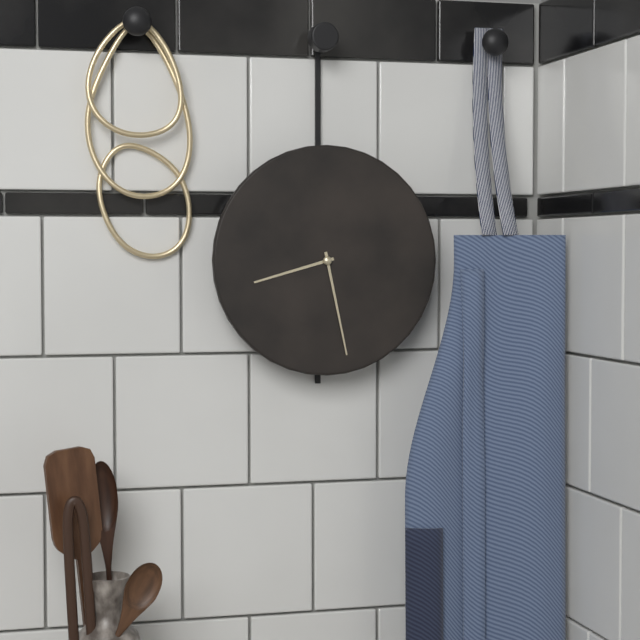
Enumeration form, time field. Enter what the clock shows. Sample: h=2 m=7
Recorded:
h=8 m=28
